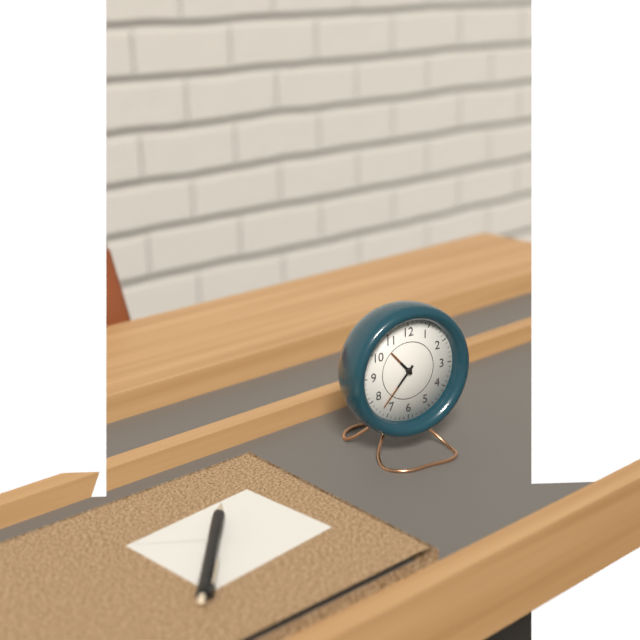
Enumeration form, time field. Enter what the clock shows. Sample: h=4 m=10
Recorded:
h=10 m=37
